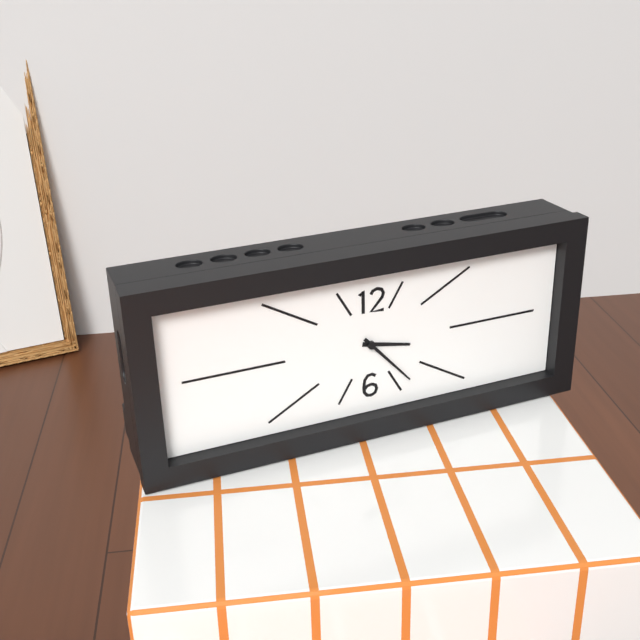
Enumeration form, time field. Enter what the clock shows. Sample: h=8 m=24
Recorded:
h=3 m=23
